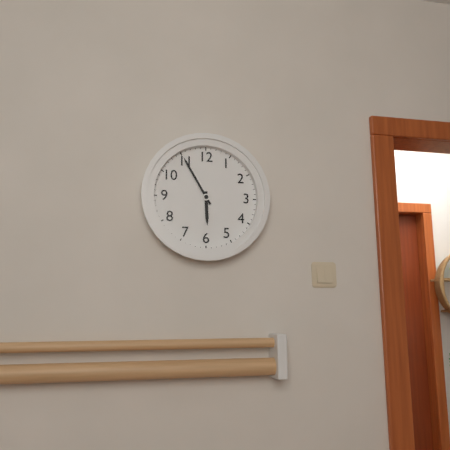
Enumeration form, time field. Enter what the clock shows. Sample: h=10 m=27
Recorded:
h=5 m=55
